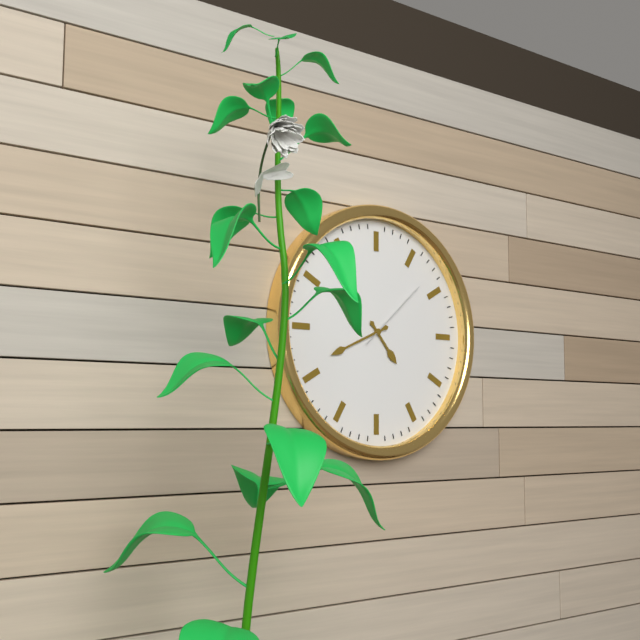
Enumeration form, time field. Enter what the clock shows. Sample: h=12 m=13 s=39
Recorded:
h=4 m=41 s=8
